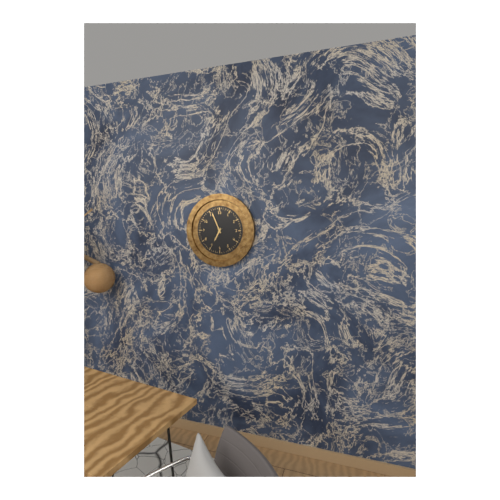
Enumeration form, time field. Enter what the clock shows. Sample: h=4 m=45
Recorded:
h=6 m=56
